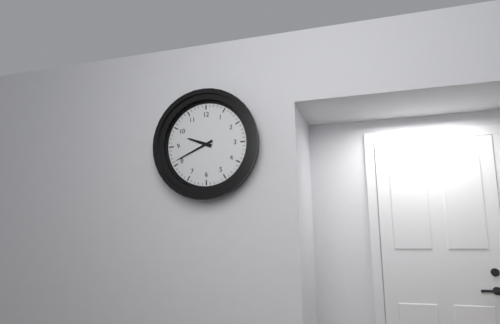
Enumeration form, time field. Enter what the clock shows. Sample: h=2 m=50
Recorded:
h=9 m=41
